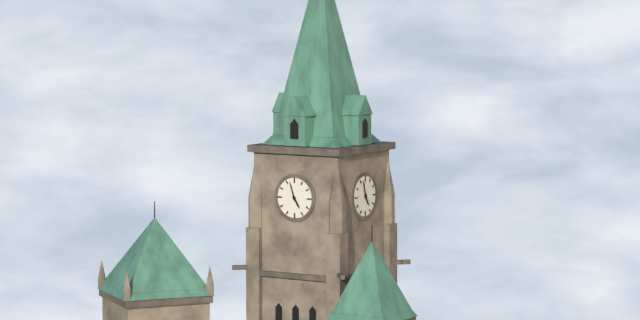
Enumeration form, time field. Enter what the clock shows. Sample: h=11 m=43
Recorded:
h=4 m=57
